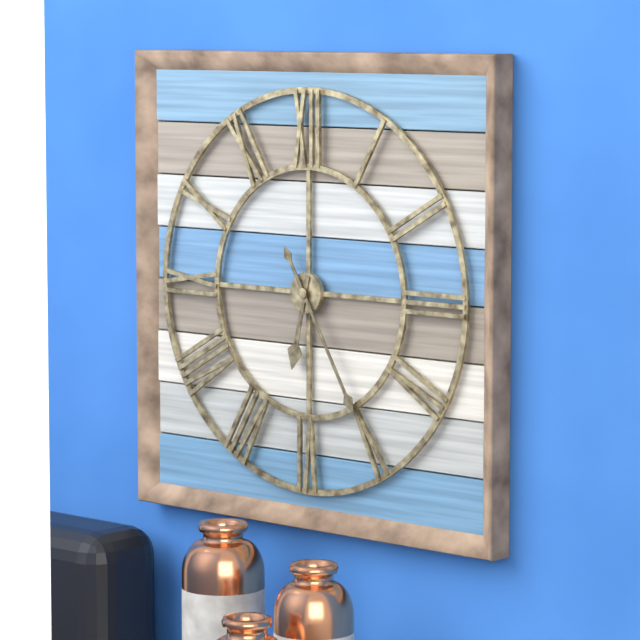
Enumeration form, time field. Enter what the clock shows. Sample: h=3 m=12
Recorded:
h=6 m=25
